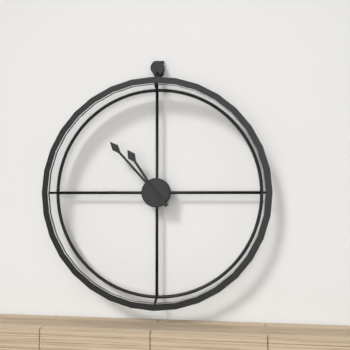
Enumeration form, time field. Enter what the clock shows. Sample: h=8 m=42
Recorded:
h=10 m=53
